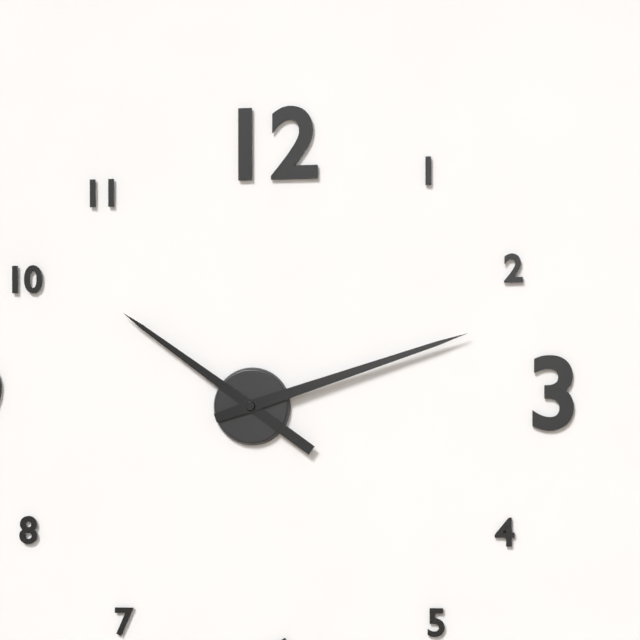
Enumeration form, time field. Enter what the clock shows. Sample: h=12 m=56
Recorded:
h=10 m=12
